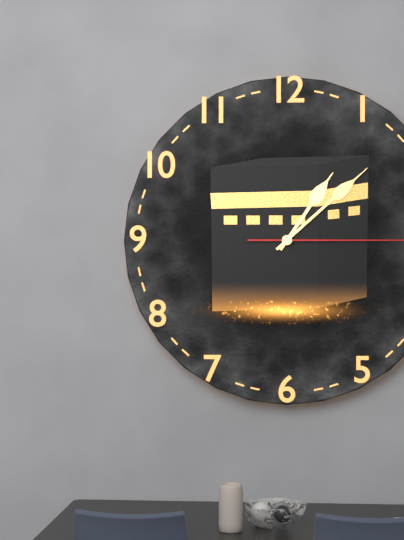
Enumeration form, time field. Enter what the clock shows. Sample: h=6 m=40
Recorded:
h=1 m=8
